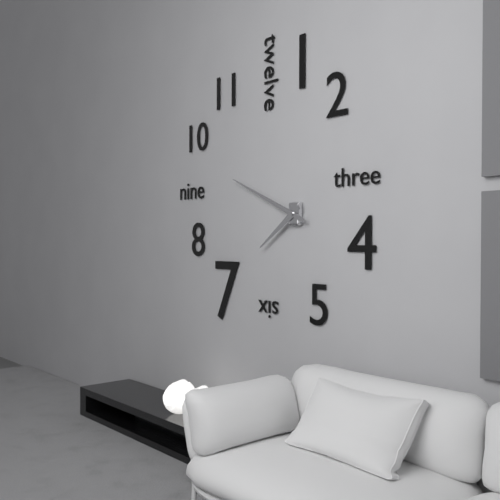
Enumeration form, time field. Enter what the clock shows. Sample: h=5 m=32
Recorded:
h=7 m=49
